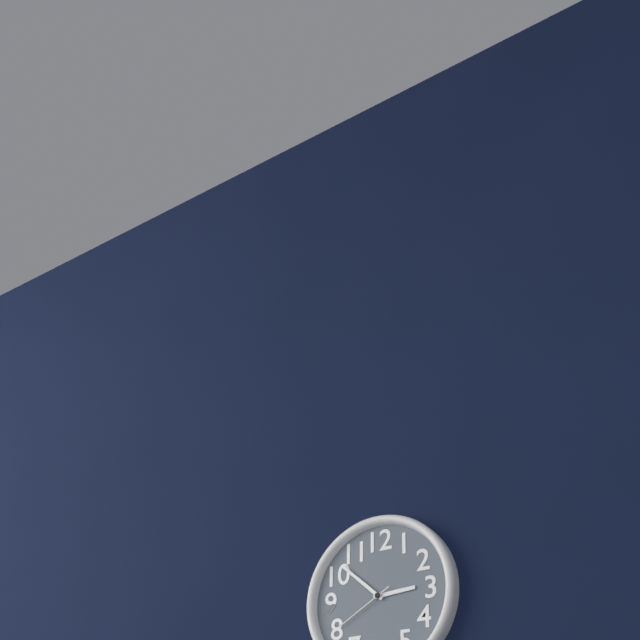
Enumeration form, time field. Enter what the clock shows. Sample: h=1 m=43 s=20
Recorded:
h=2 m=52 s=40
